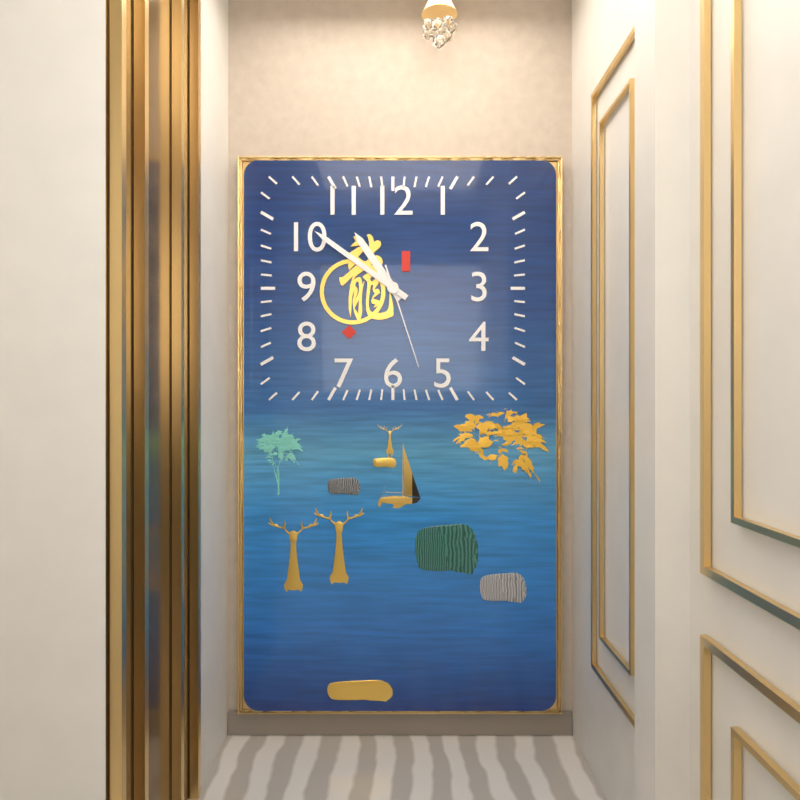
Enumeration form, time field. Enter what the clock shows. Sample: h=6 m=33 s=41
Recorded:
h=10 m=51 s=27
